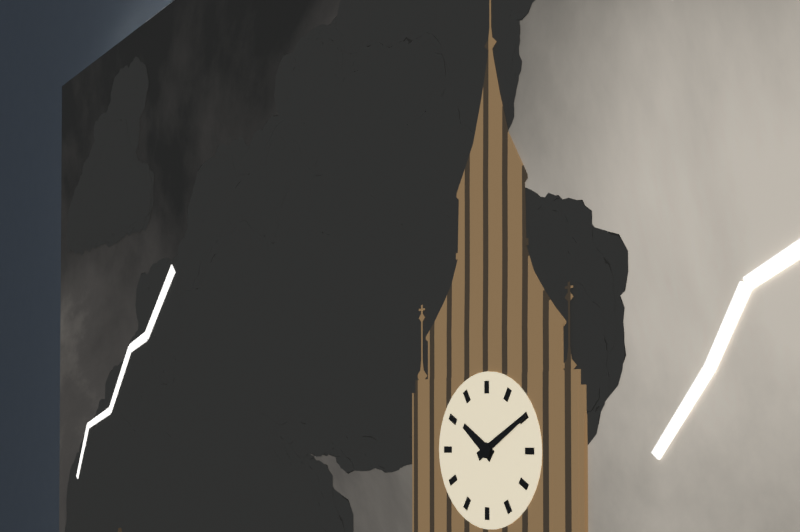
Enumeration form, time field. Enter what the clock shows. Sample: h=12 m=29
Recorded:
h=10 m=10
